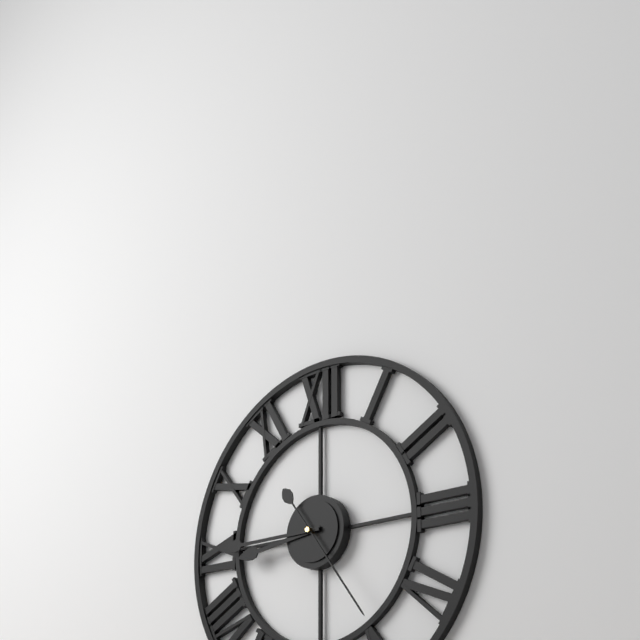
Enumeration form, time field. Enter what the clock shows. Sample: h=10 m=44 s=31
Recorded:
h=8 m=45 s=24
